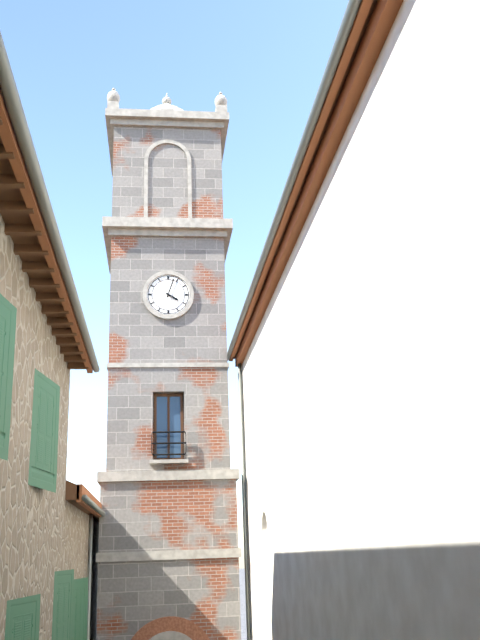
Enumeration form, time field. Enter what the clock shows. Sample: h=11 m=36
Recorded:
h=4 m=3
